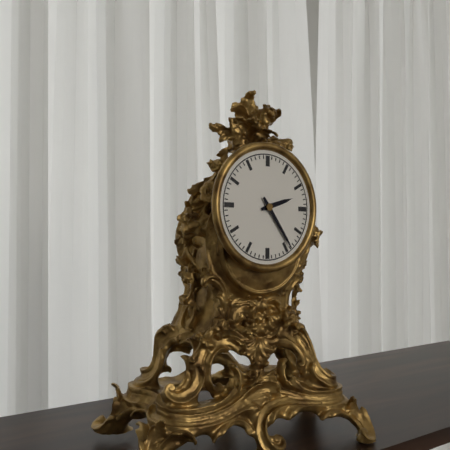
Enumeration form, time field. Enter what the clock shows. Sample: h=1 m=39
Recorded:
h=2 m=24
